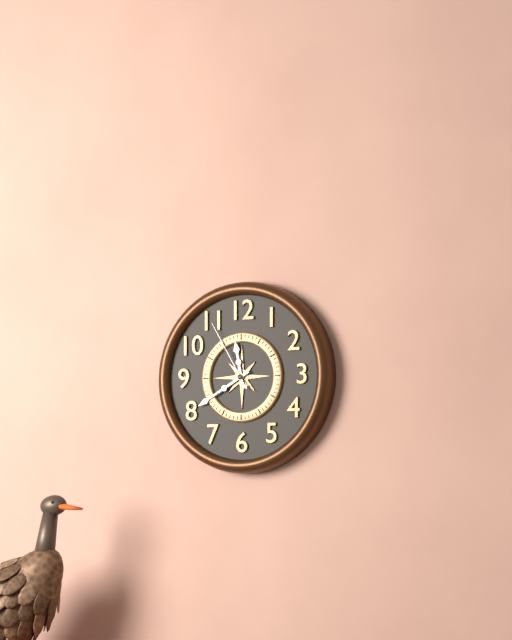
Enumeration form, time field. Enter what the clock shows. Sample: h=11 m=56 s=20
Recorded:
h=11 m=40 s=55
